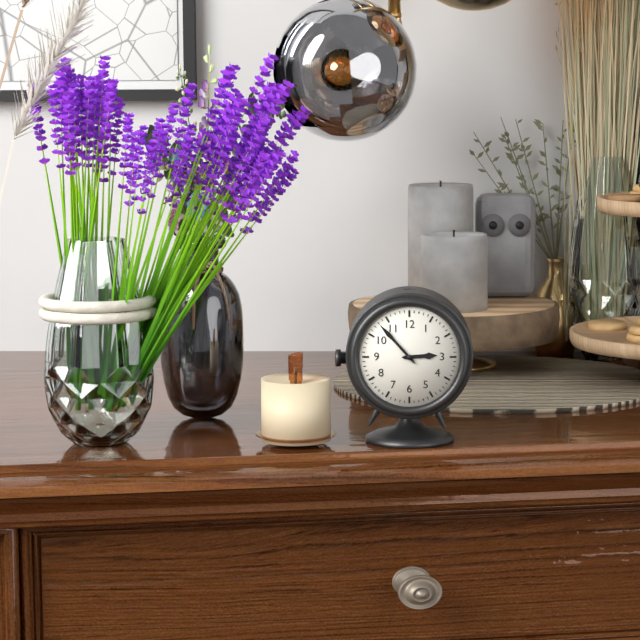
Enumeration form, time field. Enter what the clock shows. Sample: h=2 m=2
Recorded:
h=2 m=53
